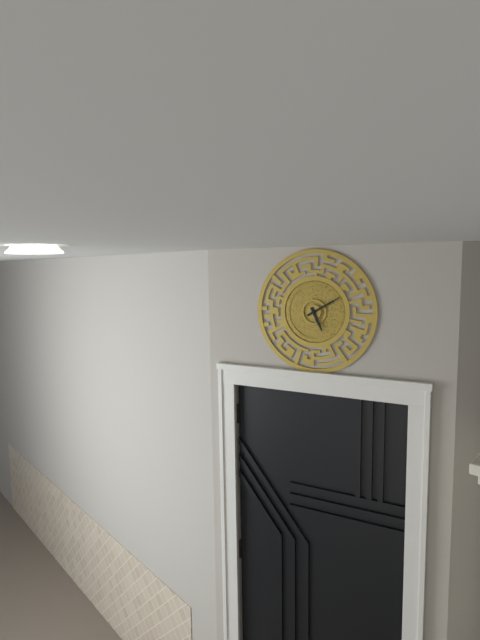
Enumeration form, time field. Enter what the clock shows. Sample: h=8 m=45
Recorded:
h=5 m=10
